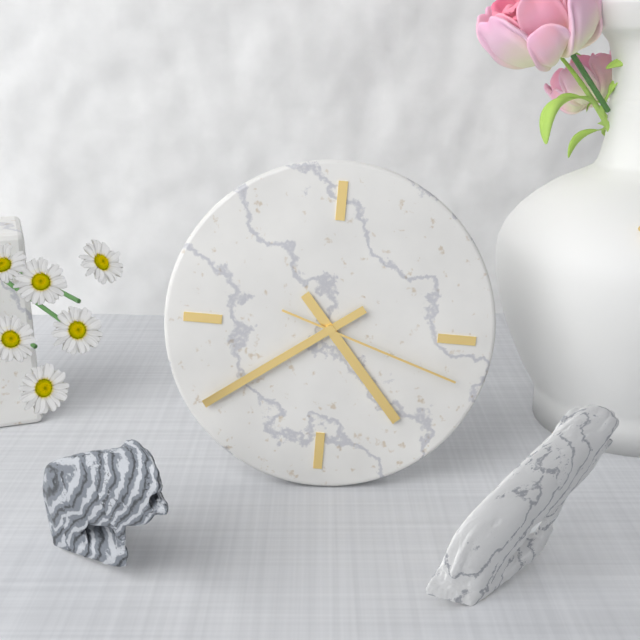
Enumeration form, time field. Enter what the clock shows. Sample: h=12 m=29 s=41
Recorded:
h=4 m=39 s=18
